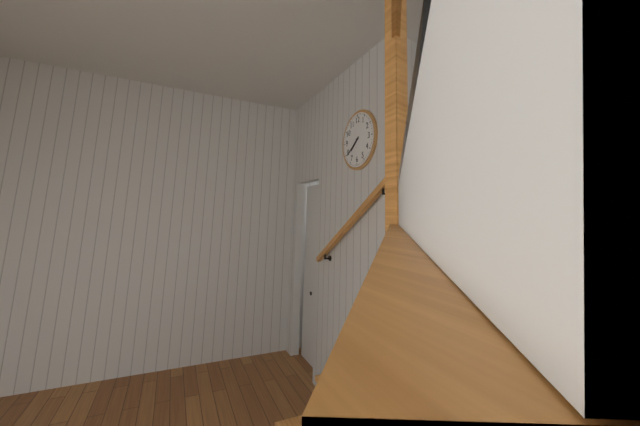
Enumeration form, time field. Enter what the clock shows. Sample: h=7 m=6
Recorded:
h=7 m=39
